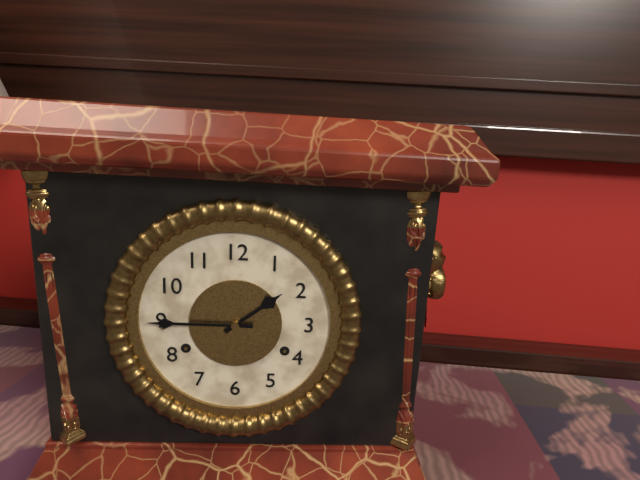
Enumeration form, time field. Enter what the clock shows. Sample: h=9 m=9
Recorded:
h=1 m=45
